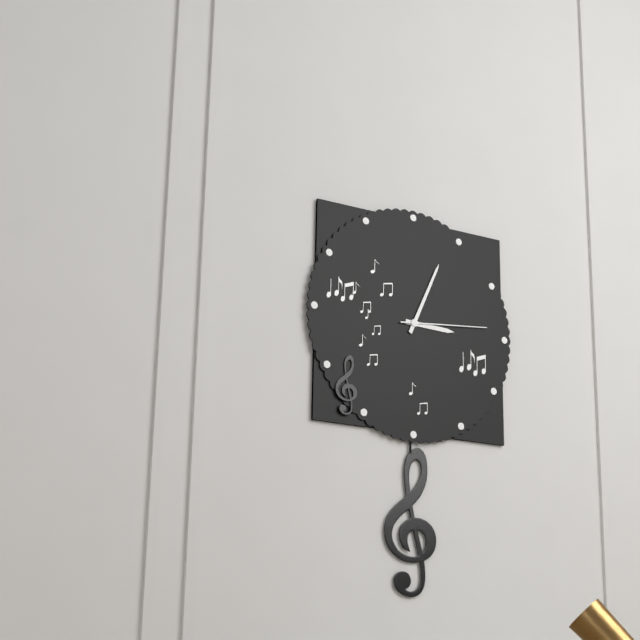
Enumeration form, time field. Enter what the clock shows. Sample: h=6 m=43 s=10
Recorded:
h=3 m=4 s=14
